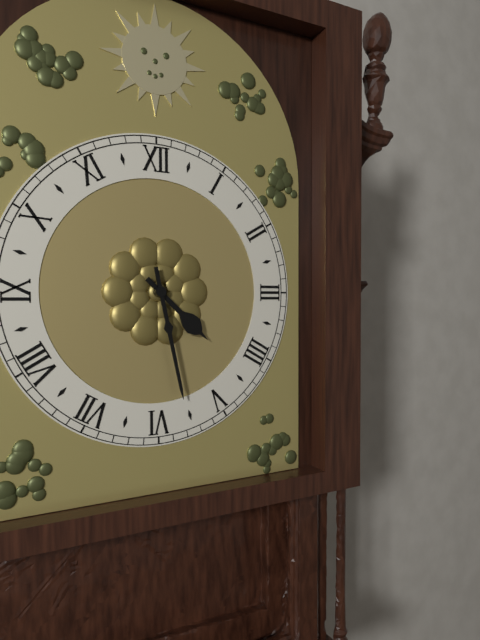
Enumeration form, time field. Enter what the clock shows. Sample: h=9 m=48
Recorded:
h=4 m=28
